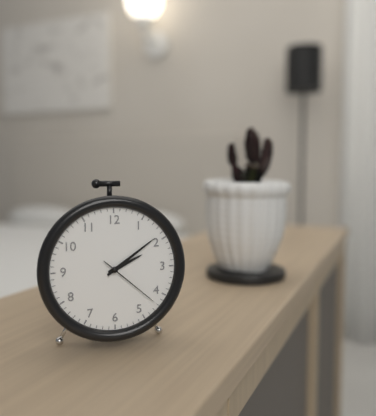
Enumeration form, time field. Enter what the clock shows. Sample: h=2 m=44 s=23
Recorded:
h=2 m=9 s=22
